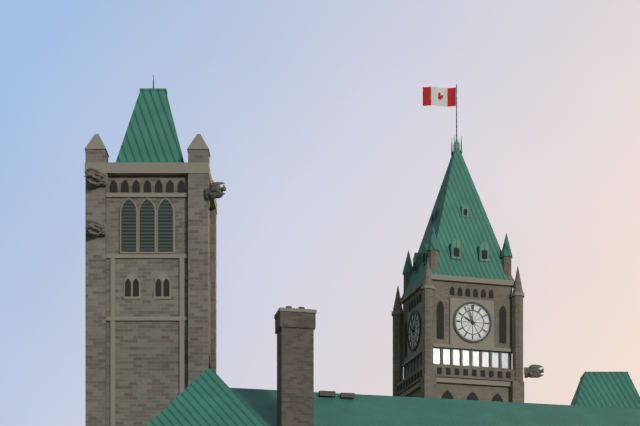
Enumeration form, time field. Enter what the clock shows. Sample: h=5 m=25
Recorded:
h=9 m=57
